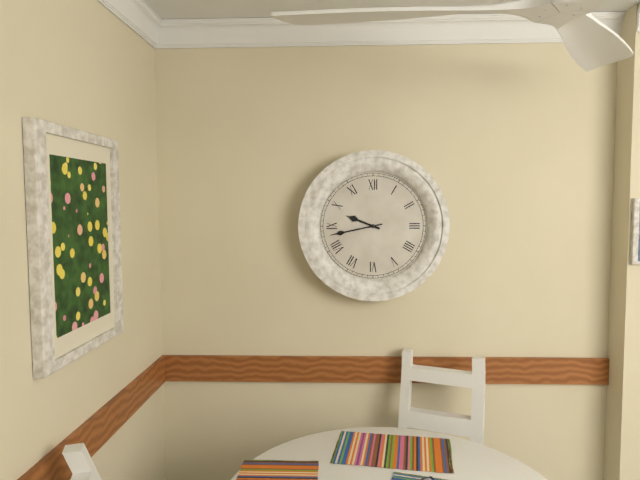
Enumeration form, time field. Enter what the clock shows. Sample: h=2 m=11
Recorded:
h=9 m=43
